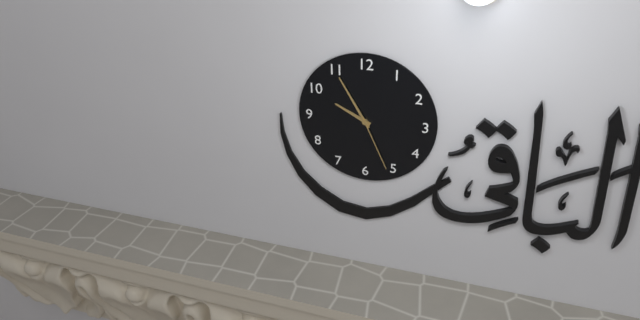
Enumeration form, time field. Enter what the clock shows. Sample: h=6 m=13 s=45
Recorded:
h=9 m=55 s=26
